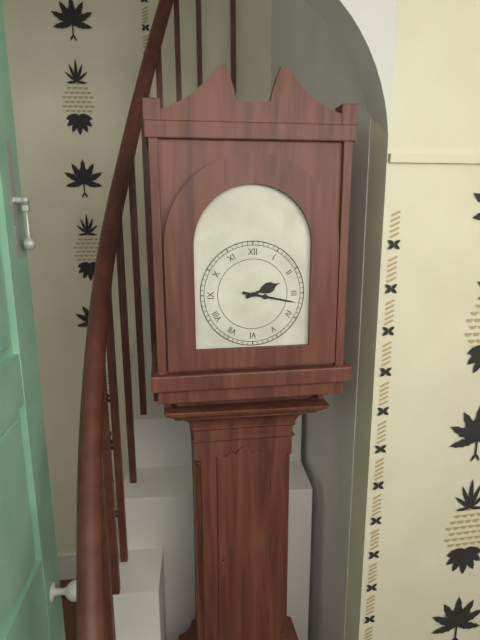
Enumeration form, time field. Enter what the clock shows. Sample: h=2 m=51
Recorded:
h=2 m=17
